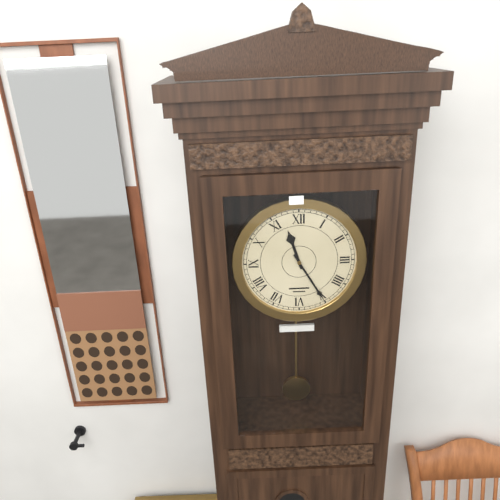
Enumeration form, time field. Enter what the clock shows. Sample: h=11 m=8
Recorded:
h=11 m=25
